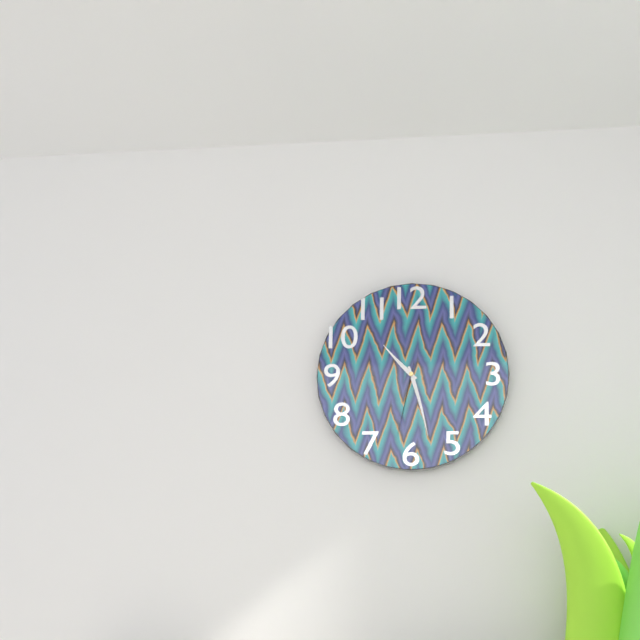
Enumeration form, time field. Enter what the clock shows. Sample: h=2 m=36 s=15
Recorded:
h=10 m=27 s=32
